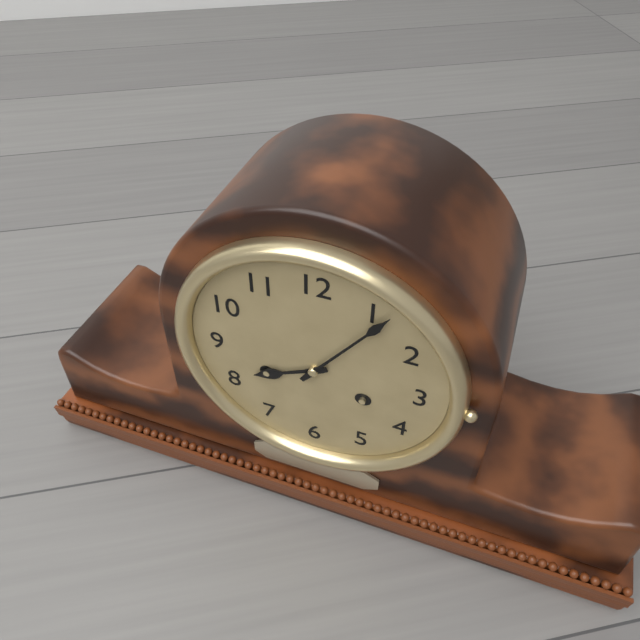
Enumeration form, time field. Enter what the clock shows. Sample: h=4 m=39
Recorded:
h=8 m=6
